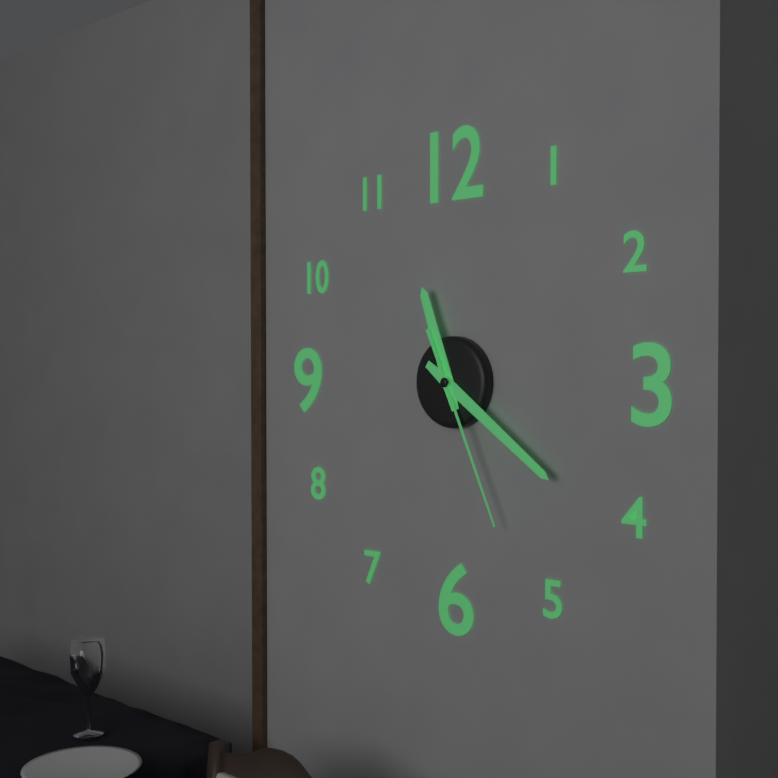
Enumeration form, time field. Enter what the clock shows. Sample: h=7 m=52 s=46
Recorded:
h=11 m=21 s=26
